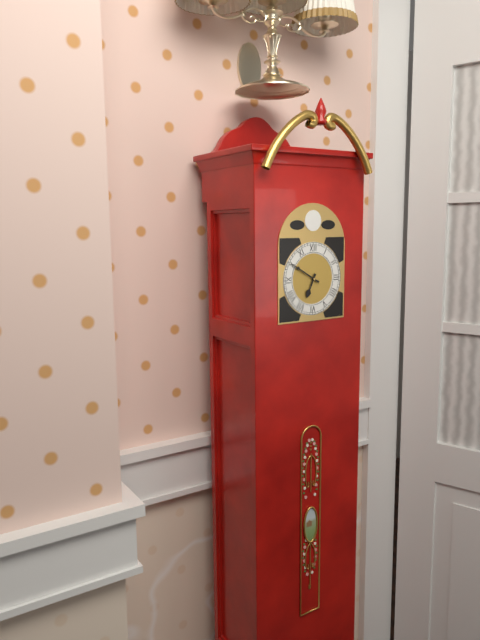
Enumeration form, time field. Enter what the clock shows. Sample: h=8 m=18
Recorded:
h=6 m=50
